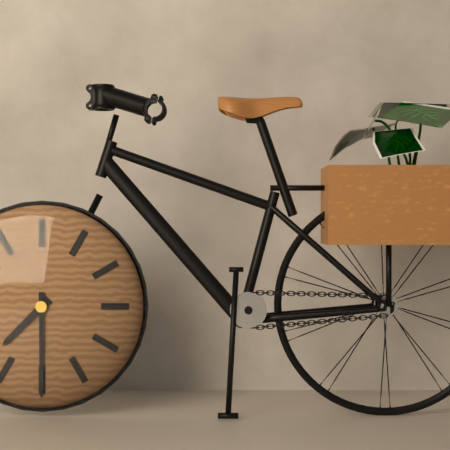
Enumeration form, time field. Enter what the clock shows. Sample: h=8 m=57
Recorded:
h=7 m=30
